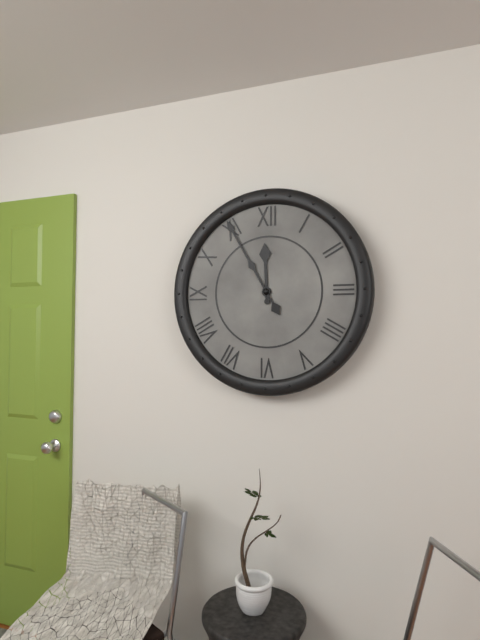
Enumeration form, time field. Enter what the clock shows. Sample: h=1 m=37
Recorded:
h=11 m=55
